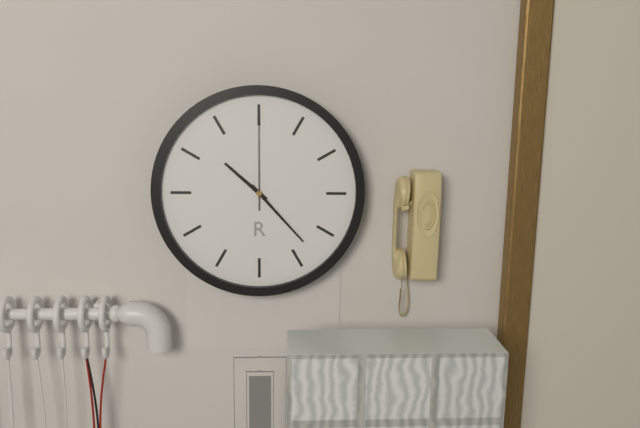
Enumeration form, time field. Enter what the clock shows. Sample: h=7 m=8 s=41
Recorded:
h=10 m=23 s=0
